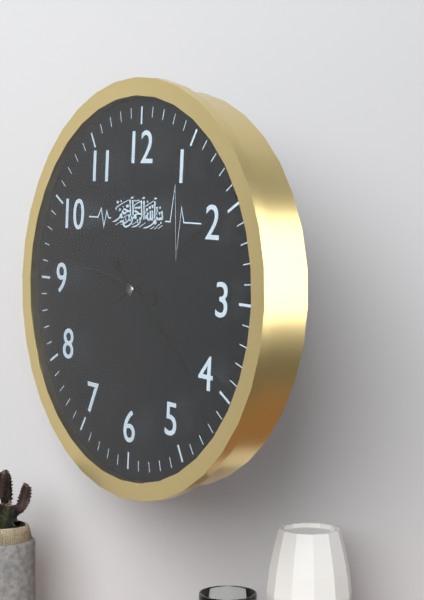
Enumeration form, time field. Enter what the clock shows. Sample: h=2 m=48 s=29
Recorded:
h=9 m=21 s=10
